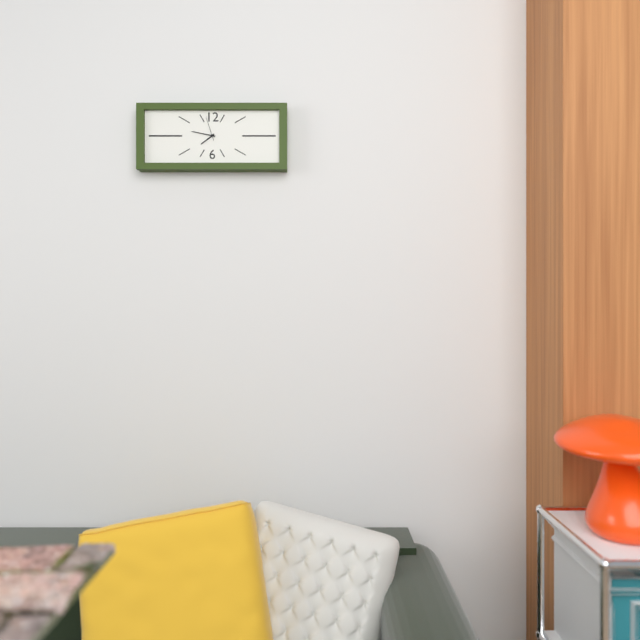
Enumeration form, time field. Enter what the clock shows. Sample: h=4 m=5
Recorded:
h=7 m=47
